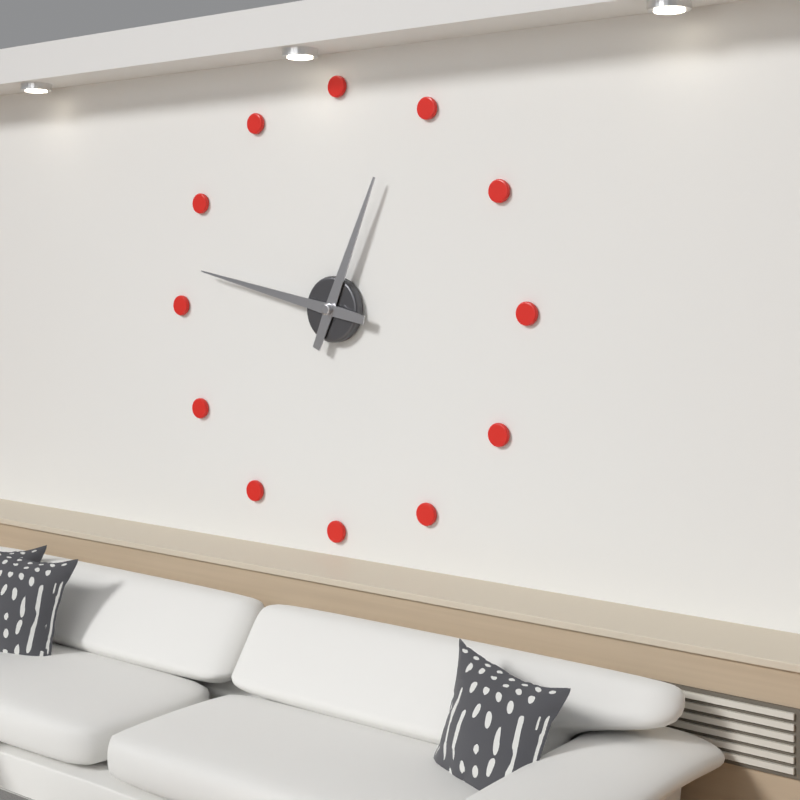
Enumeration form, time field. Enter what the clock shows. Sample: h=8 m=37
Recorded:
h=12 m=47
